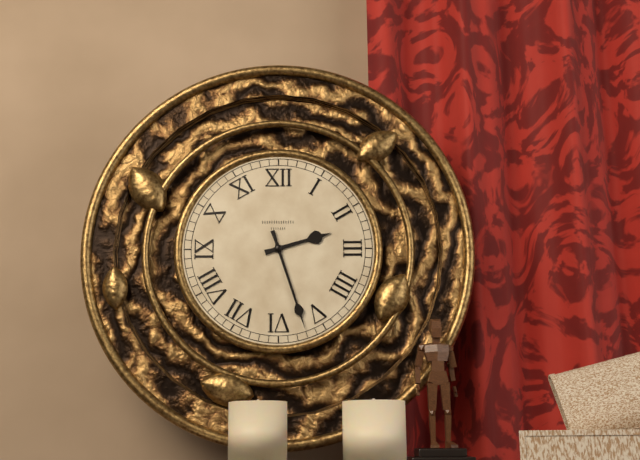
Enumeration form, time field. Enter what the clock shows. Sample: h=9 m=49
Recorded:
h=2 m=27
